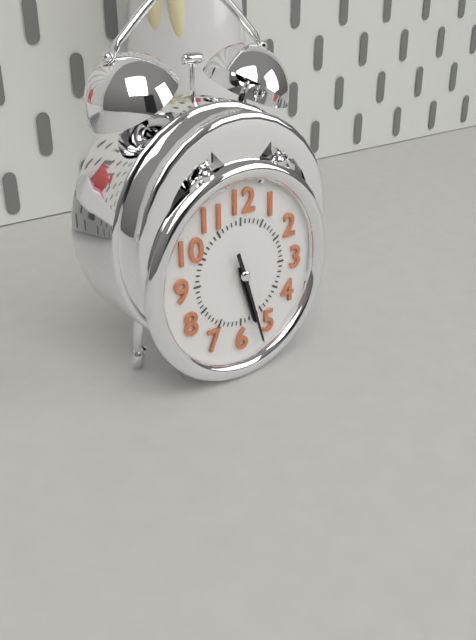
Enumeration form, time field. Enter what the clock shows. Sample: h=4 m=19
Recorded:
h=5 m=27
